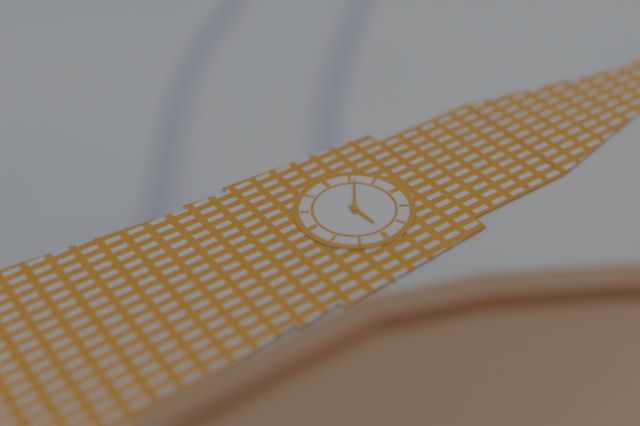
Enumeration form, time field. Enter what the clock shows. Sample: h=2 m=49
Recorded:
h=2 m=51
